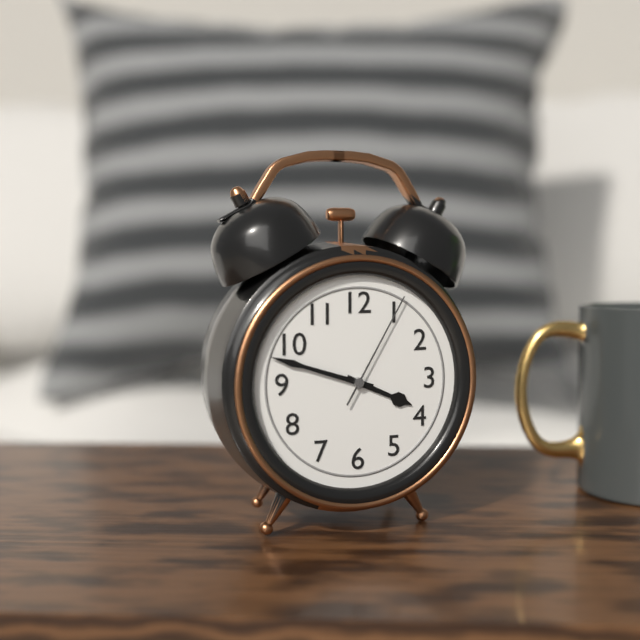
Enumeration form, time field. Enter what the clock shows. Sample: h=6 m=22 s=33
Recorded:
h=3 m=48 s=5
